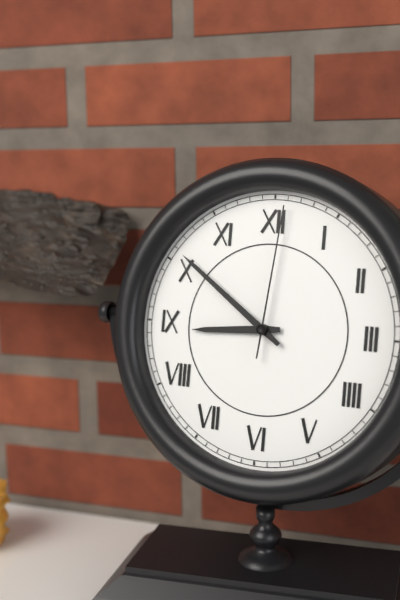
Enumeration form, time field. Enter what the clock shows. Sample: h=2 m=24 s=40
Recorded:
h=8 m=51 s=1
